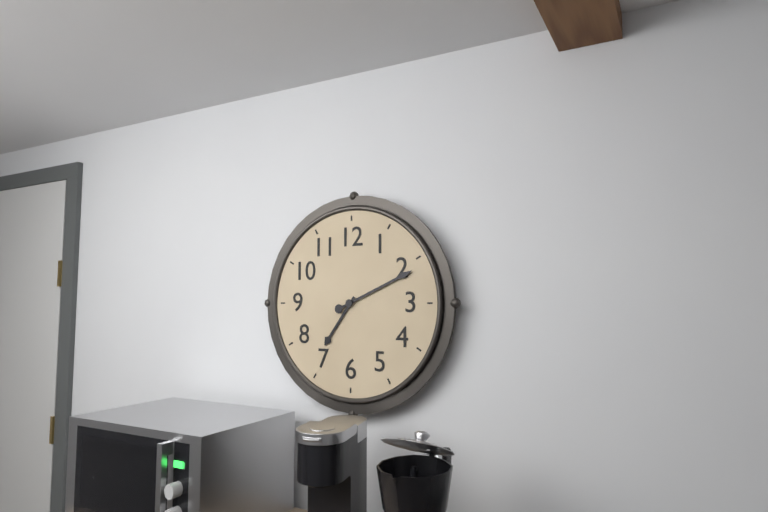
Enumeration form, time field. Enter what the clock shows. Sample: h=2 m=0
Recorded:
h=7 m=11
